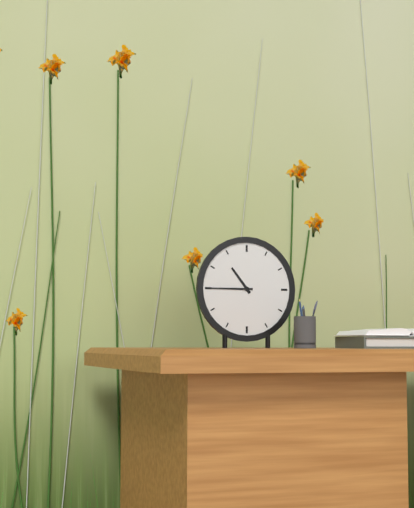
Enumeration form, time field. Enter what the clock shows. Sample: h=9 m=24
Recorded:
h=10 m=45
